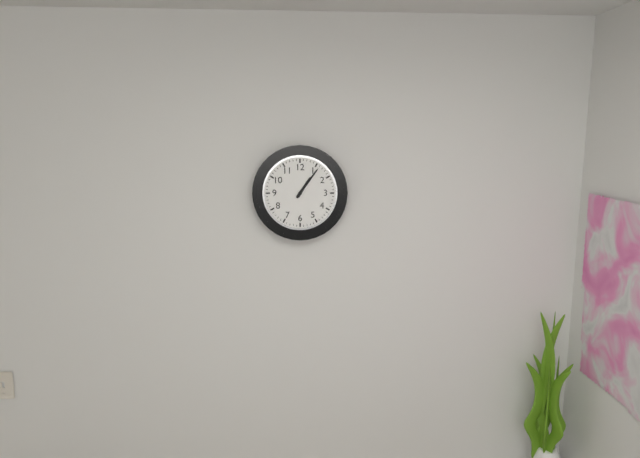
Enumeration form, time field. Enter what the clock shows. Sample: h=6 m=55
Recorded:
h=1 m=6
